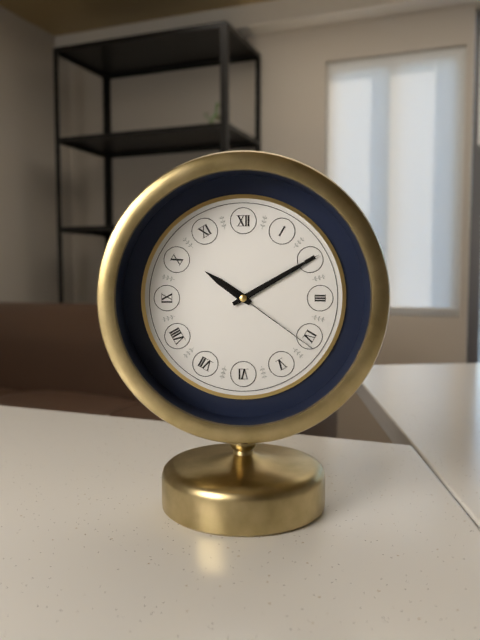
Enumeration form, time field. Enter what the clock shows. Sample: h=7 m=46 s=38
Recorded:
h=10 m=10 s=21
